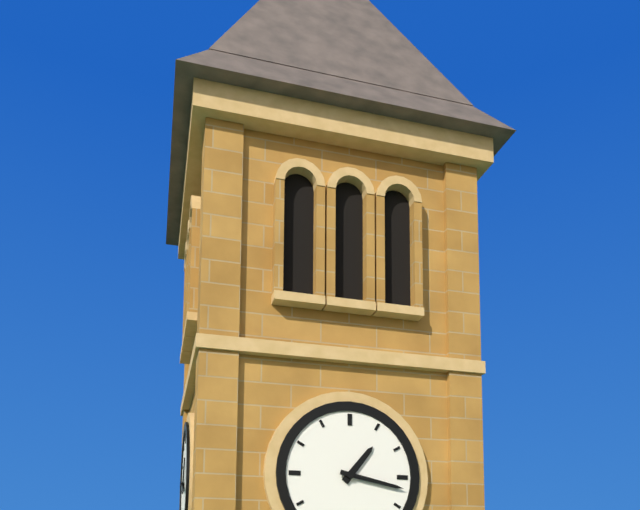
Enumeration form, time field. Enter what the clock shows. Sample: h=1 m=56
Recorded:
h=1 m=17
